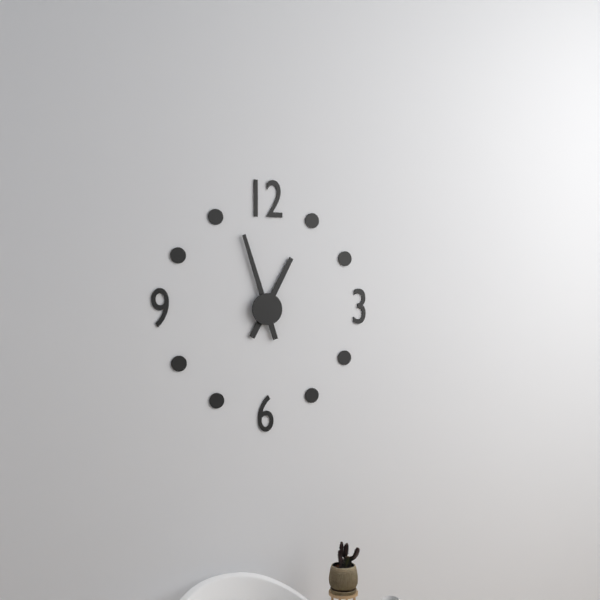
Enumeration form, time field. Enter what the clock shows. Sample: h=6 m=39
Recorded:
h=12 m=57
